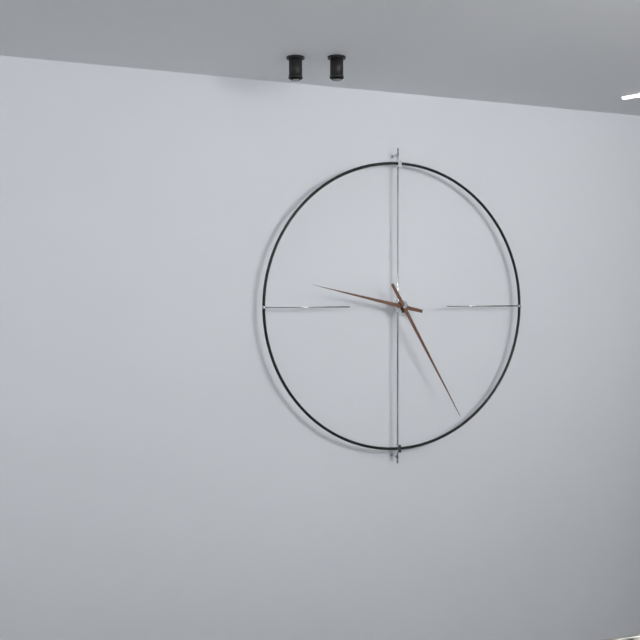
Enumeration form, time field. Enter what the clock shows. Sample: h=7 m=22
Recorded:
h=9 m=25
